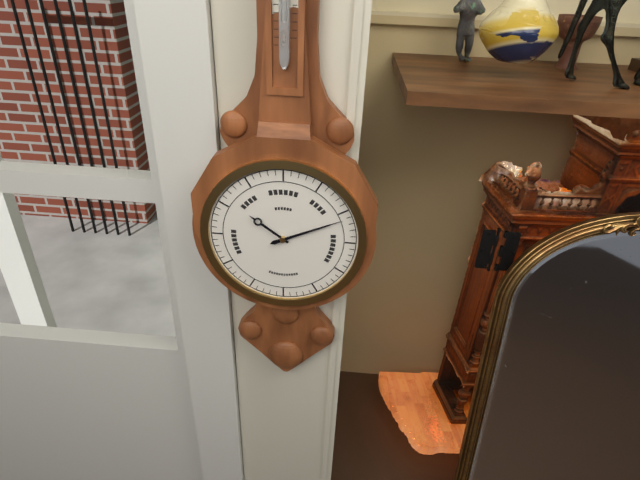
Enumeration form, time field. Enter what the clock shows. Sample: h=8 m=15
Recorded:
h=10 m=11
